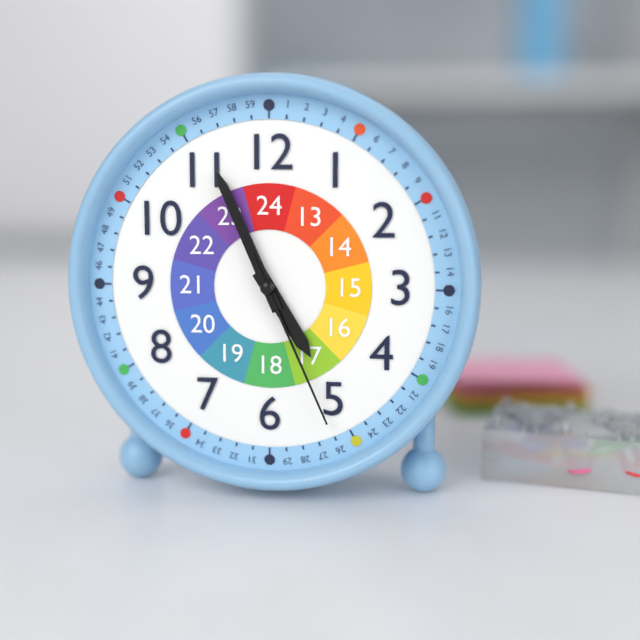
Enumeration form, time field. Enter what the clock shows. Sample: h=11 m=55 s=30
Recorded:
h=4 m=56 s=26
